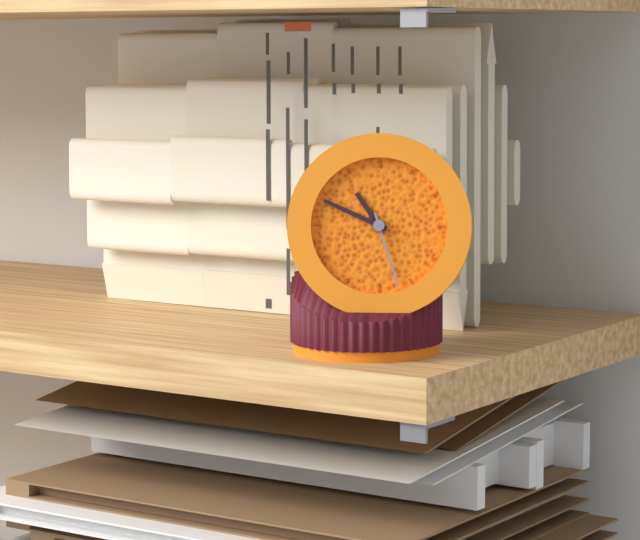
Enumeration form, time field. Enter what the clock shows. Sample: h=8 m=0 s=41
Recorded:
h=10 m=49 s=27
